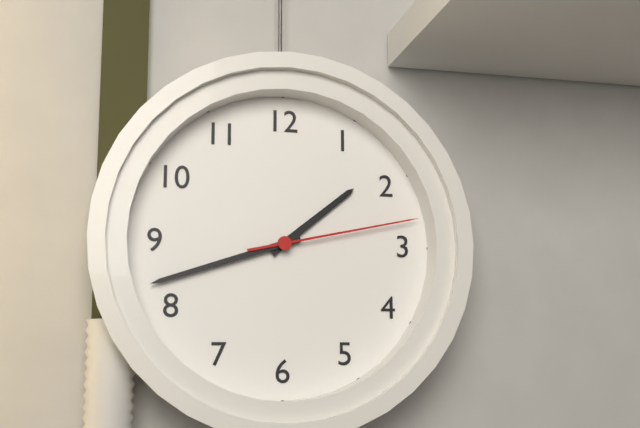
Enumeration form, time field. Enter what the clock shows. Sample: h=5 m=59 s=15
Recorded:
h=1 m=42 s=13
